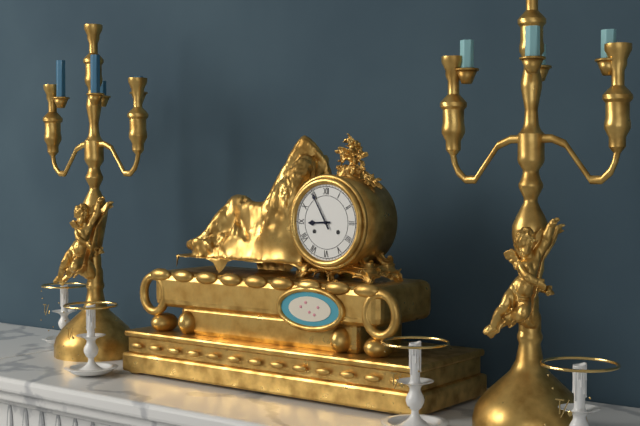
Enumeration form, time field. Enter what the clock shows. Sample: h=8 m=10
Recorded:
h=8 m=55
